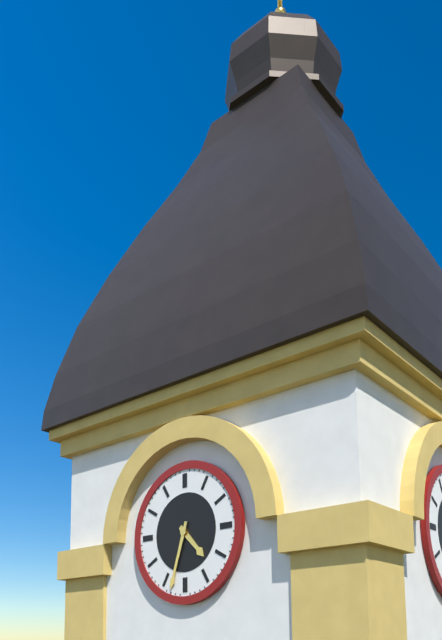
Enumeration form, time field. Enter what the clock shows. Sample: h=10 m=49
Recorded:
h=4 m=33
